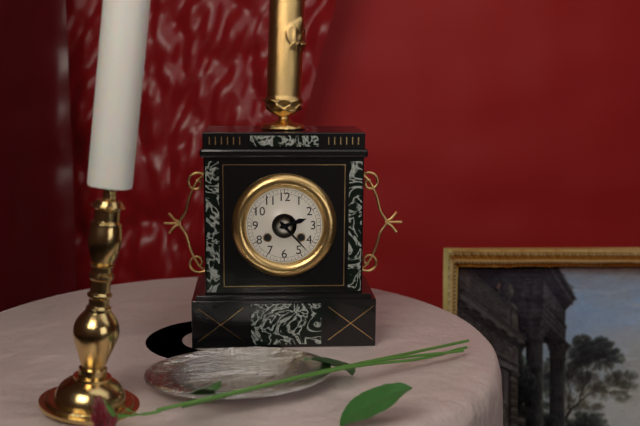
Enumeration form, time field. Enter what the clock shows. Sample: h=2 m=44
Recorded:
h=2 m=23
